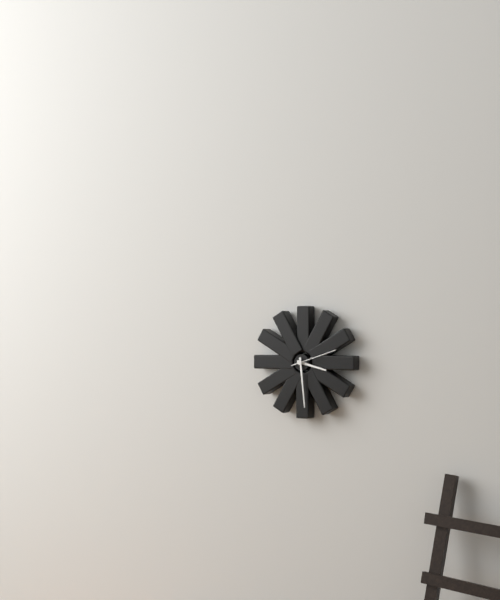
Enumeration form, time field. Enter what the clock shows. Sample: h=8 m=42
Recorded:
h=3 m=29
